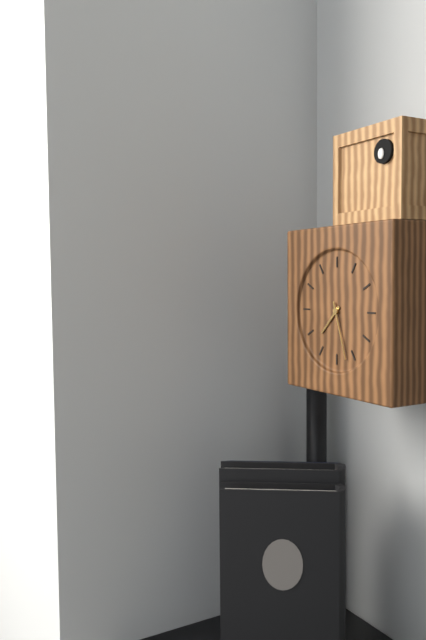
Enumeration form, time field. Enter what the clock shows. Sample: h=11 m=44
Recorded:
h=7 m=27
